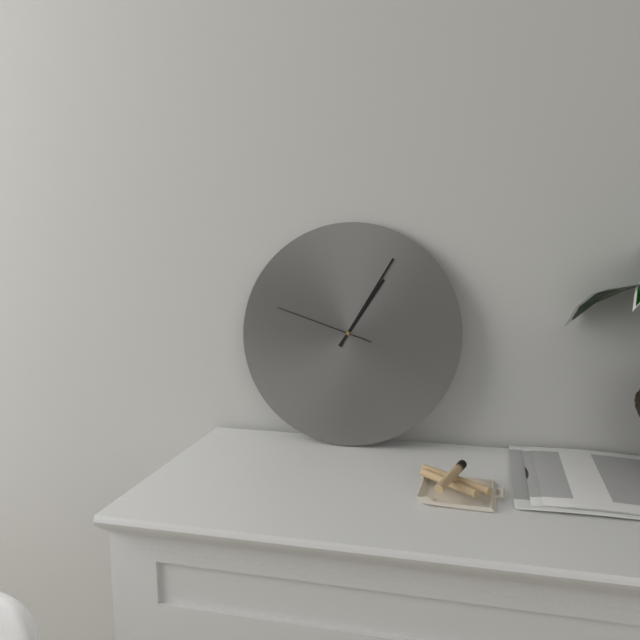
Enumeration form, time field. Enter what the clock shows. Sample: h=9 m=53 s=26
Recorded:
h=1 m=5 s=48
